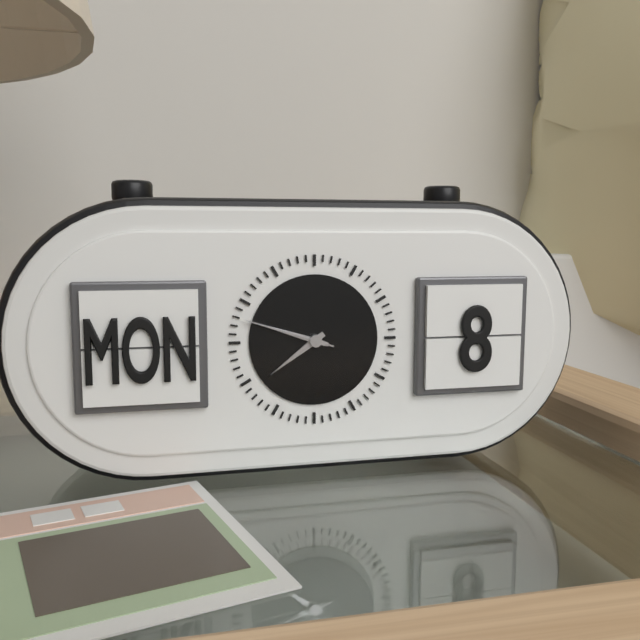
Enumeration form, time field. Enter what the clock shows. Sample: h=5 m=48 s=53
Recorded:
h=7 m=48 s=48
